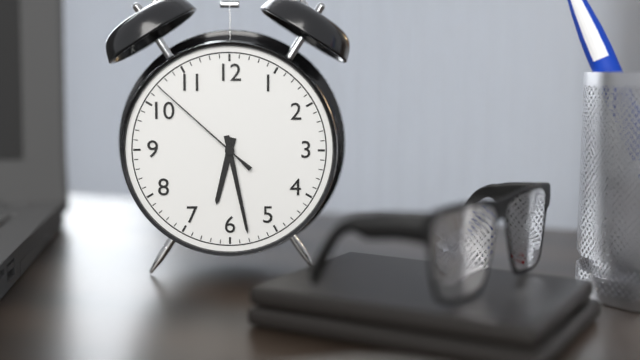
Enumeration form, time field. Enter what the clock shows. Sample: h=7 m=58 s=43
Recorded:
h=6 m=28 s=52
